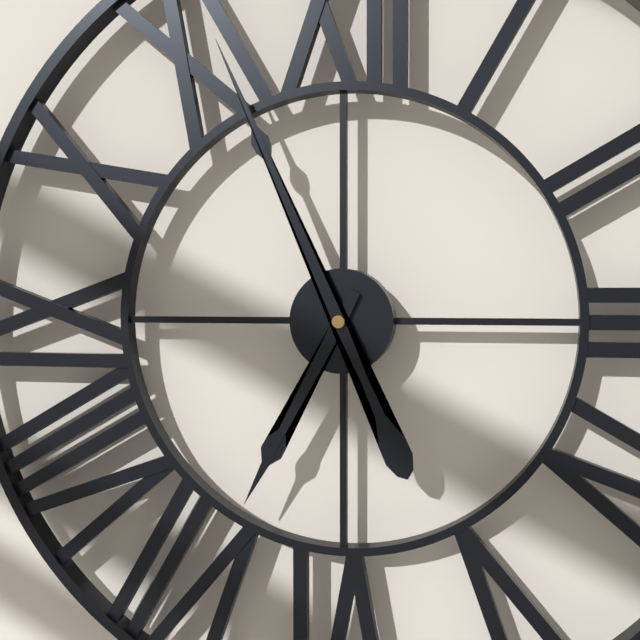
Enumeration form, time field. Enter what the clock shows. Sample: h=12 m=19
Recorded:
h=6 m=56
